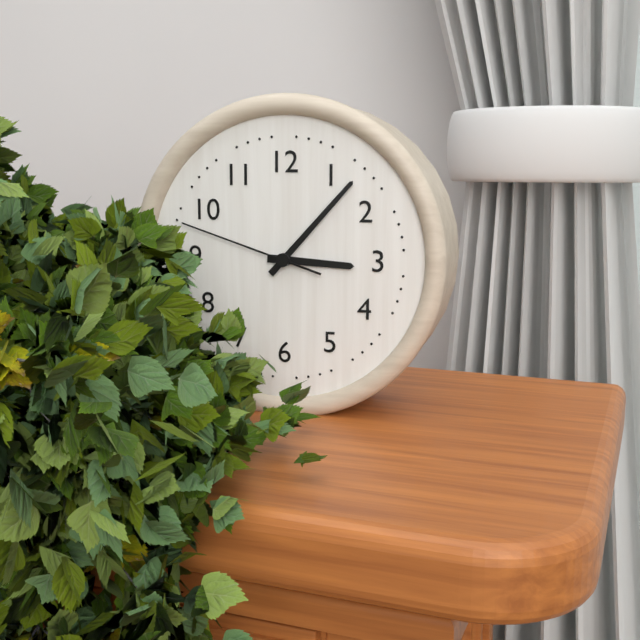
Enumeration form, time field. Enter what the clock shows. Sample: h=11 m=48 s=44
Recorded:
h=3 m=7 s=48
